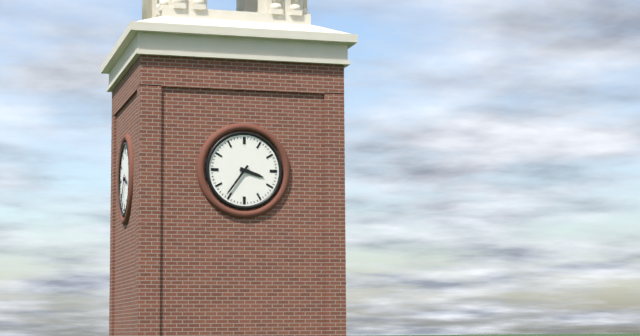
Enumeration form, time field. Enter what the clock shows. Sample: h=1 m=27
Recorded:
h=3 m=36
